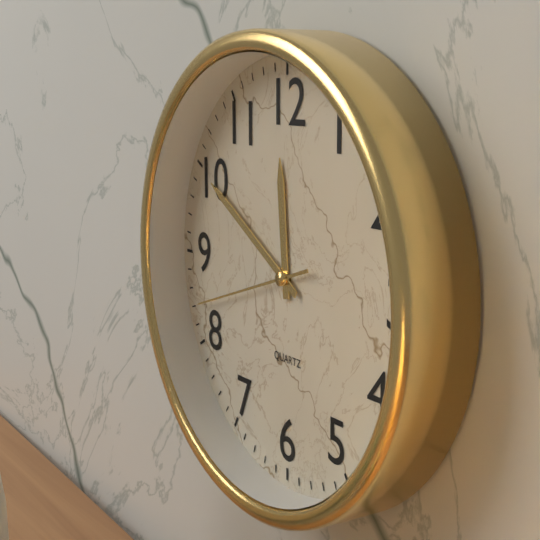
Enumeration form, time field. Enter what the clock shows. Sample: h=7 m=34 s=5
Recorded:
h=11 m=50 s=42
